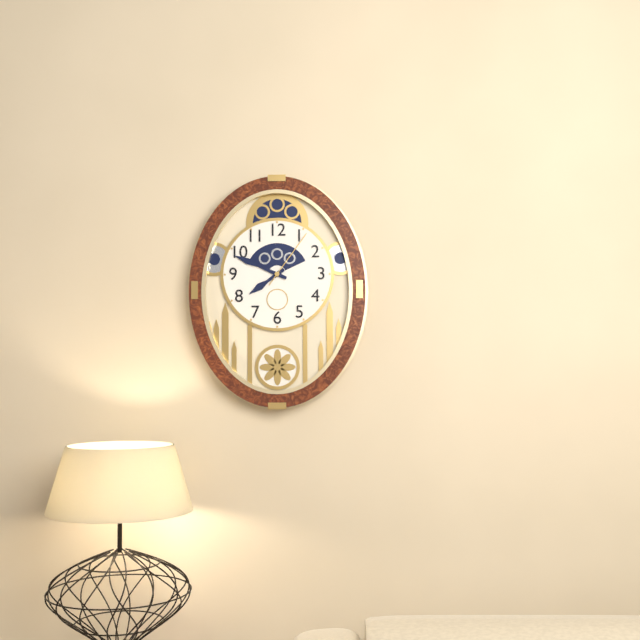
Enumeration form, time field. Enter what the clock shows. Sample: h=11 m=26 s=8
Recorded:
h=7 m=49 s=6
